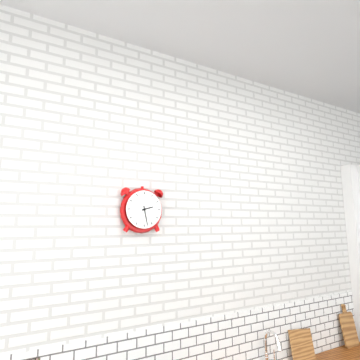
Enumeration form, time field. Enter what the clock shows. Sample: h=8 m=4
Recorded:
h=2 m=28
